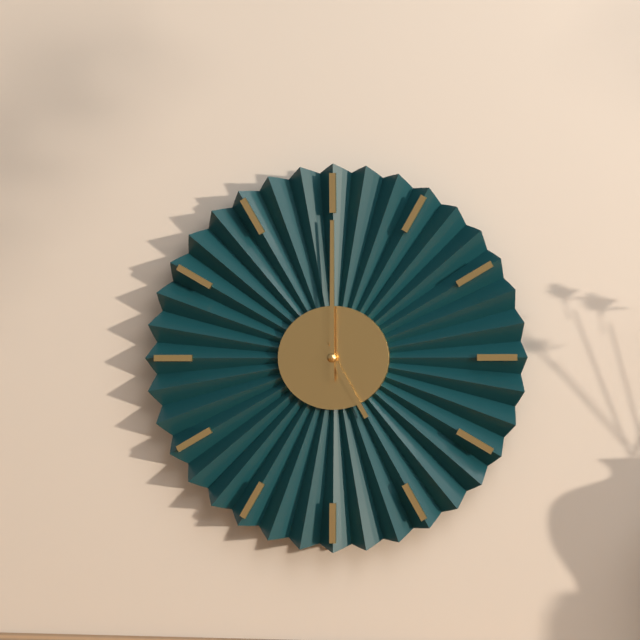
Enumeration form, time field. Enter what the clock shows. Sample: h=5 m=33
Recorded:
h=5 m=0
